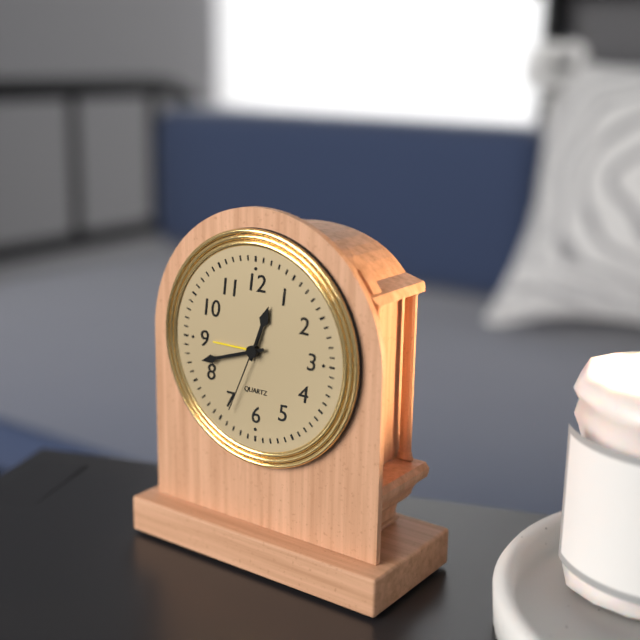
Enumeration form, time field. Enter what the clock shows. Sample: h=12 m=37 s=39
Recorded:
h=12 m=42 s=34
